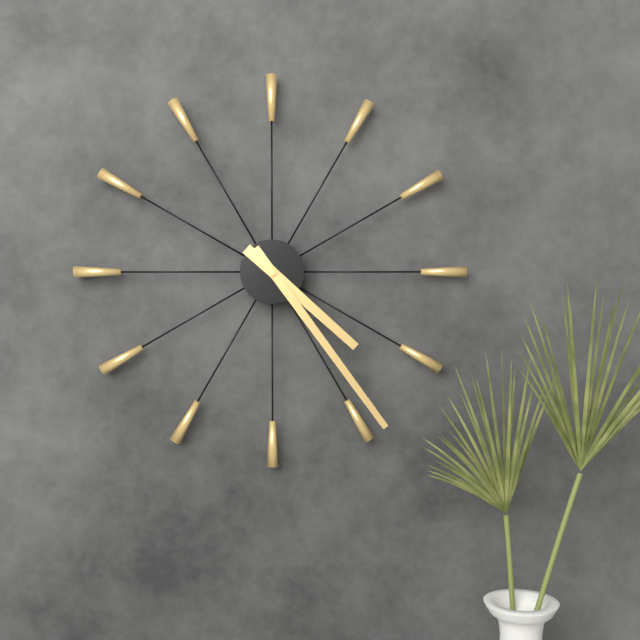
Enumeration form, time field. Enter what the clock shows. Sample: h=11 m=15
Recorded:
h=4 m=24
